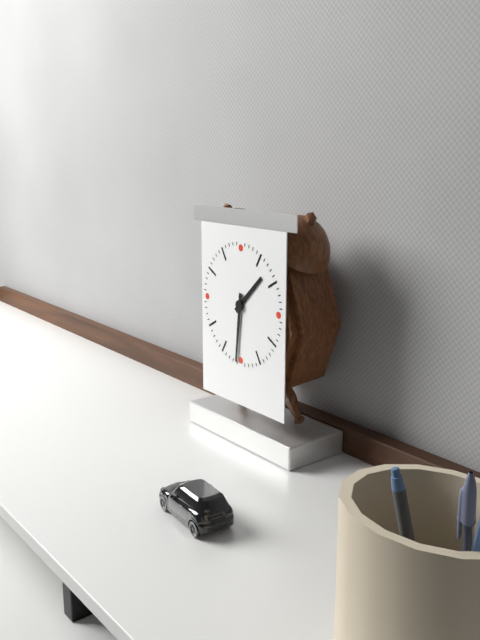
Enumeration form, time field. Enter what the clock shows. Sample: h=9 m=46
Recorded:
h=1 m=31
